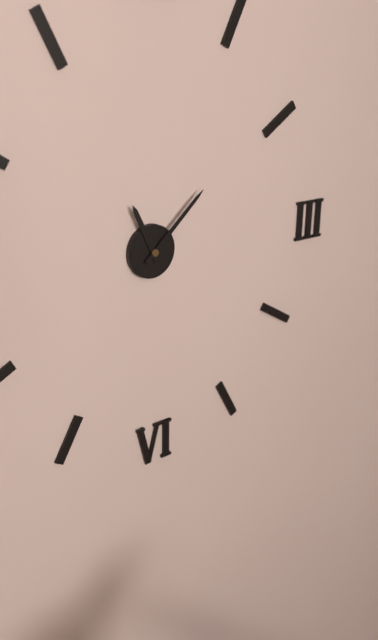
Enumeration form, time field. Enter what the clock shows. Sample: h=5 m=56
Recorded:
h=11 m=8
